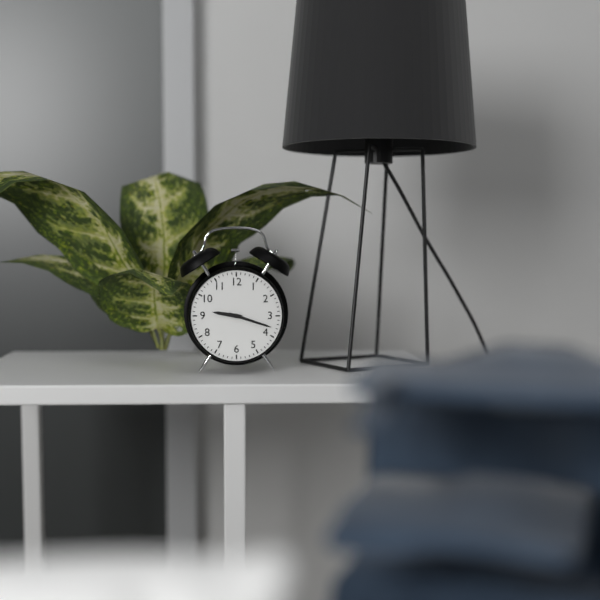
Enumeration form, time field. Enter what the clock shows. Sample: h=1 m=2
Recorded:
h=9 m=18
